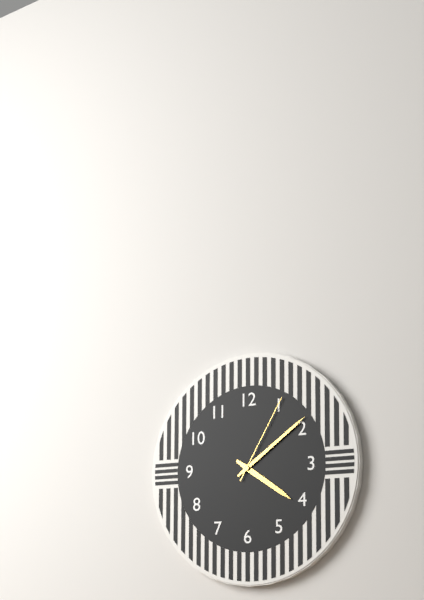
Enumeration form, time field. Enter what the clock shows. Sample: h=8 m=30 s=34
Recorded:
h=4 m=9 s=5
